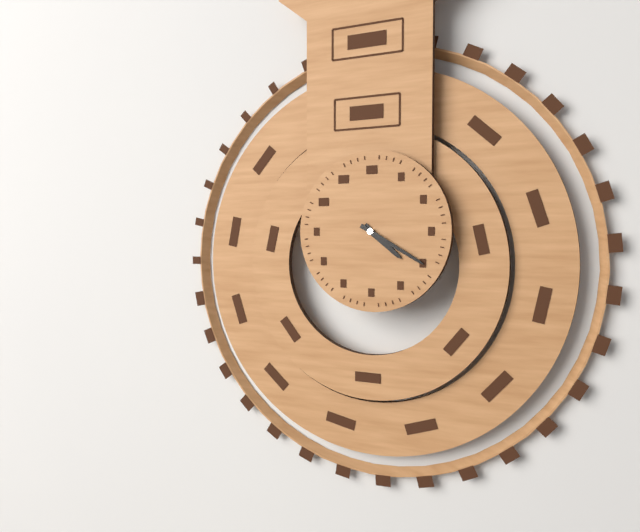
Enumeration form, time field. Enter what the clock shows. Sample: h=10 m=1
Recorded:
h=4 m=20
